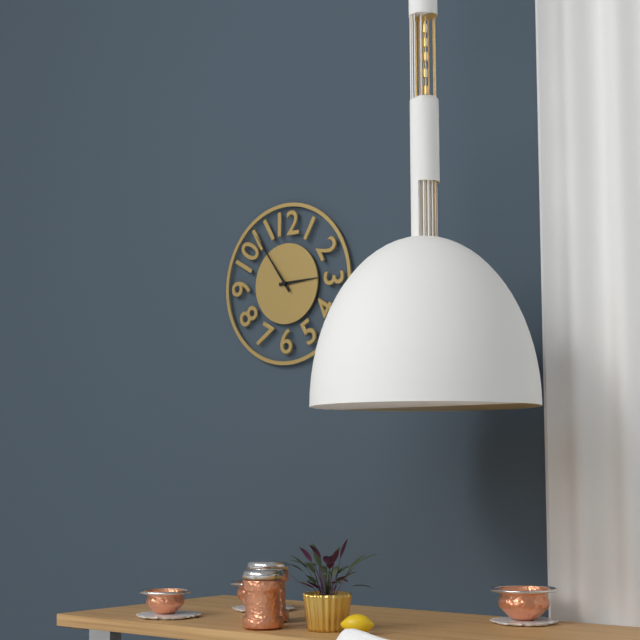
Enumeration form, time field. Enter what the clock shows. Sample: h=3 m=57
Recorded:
h=2 m=54
